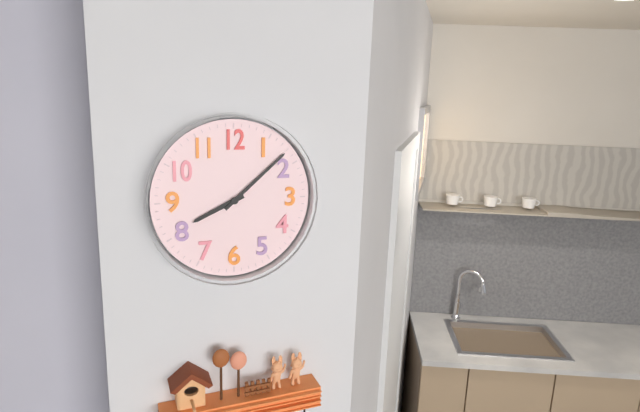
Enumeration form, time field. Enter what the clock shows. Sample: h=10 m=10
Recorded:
h=8 m=8
